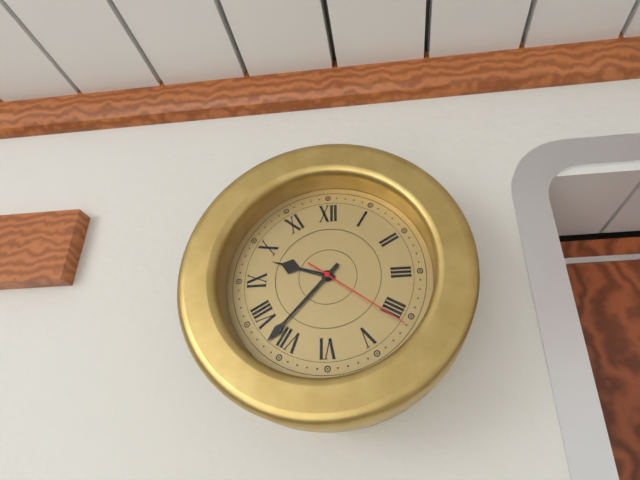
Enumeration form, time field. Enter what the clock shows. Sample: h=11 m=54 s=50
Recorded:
h=9 m=37 s=21
